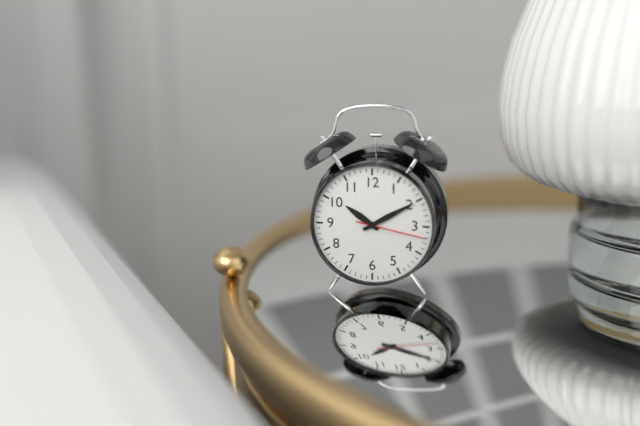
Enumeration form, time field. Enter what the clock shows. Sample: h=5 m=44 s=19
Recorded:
h=10 m=10 s=17
